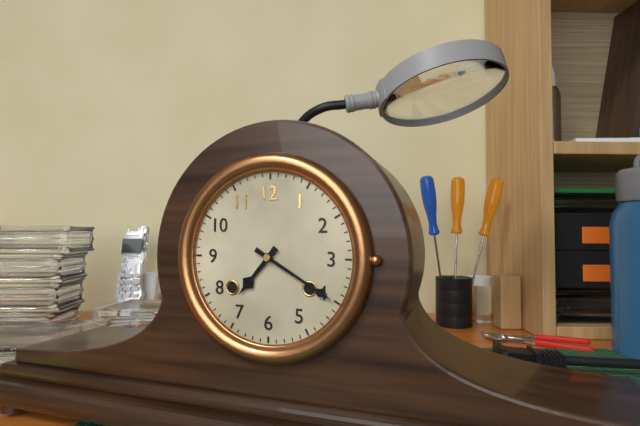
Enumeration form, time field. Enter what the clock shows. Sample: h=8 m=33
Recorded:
h=7 m=20
